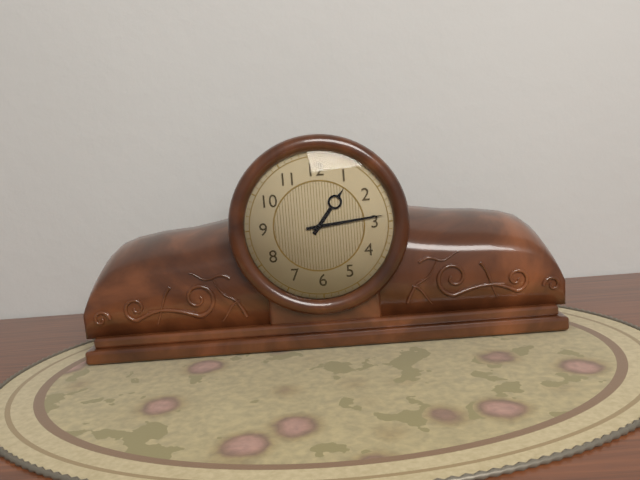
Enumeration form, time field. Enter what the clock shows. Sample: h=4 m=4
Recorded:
h=1 m=14
